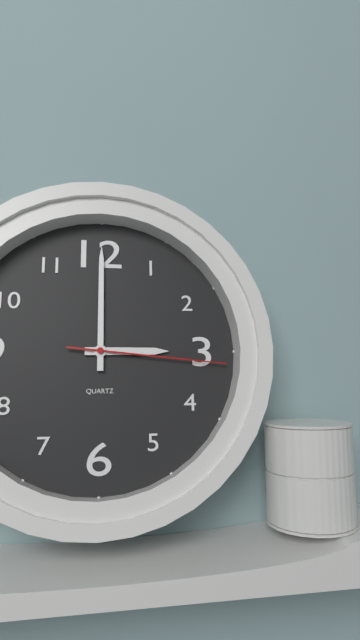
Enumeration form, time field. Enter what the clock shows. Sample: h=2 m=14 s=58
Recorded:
h=3 m=0 s=16
